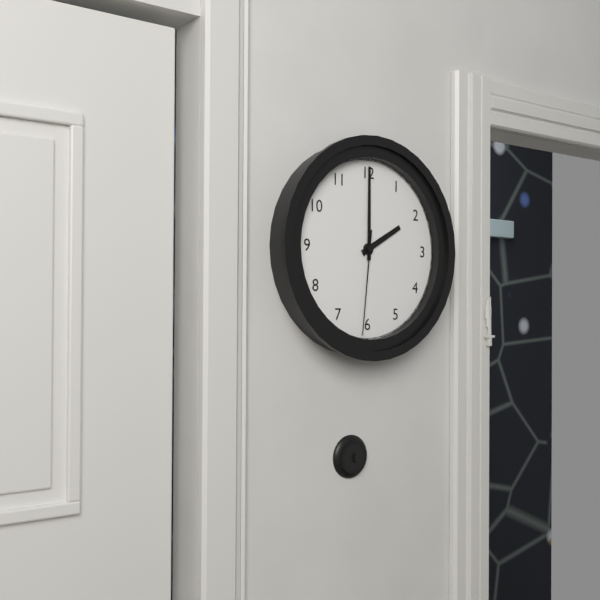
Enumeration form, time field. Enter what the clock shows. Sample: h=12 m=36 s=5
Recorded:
h=2 m=0 s=31
